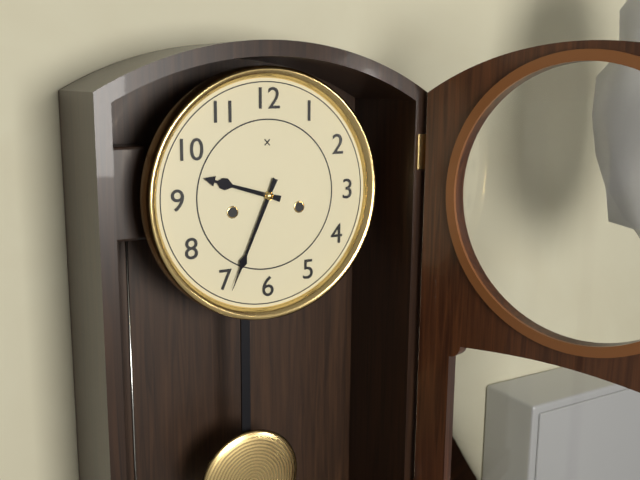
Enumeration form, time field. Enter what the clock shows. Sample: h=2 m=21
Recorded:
h=9 m=34
